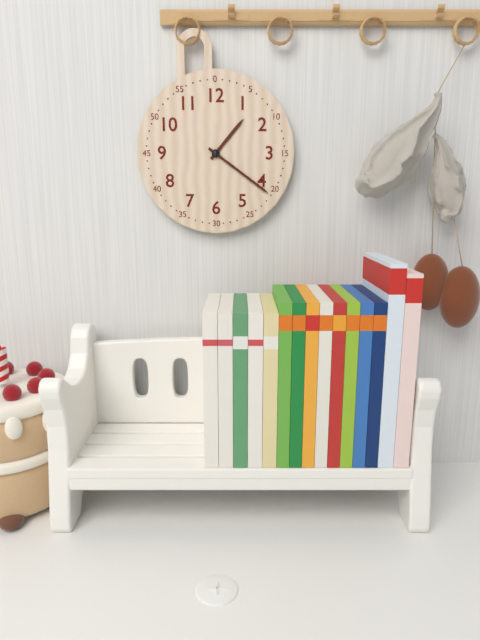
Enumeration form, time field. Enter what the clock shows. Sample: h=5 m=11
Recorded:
h=1 m=21
